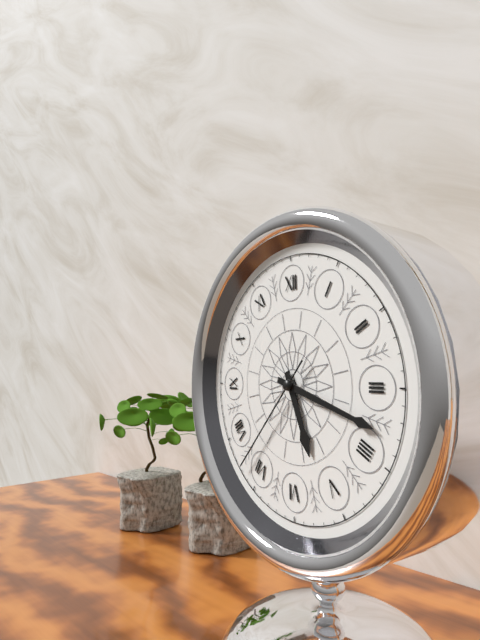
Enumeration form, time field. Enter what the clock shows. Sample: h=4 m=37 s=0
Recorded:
h=5 m=18 s=37
